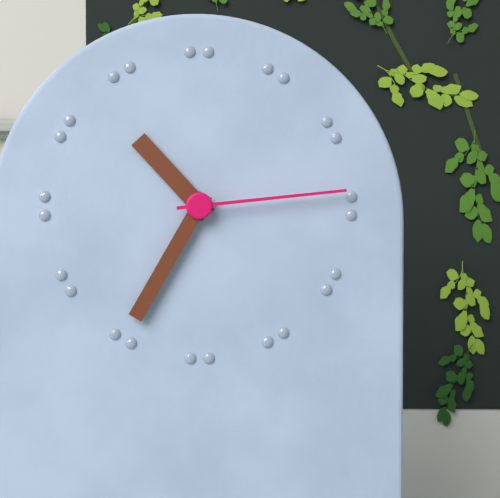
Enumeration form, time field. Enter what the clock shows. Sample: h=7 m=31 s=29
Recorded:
h=10 m=35 s=14
